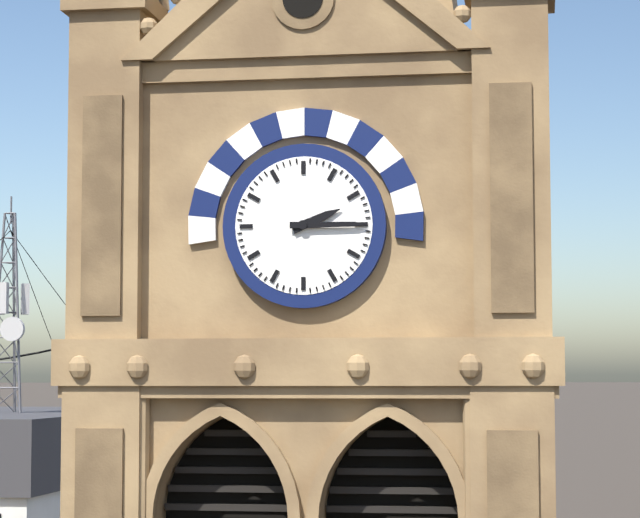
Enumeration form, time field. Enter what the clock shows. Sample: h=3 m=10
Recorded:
h=2 m=15
